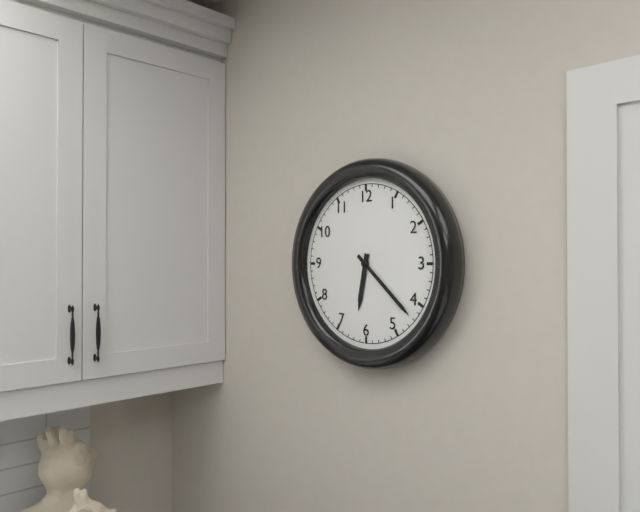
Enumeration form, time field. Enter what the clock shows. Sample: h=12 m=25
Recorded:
h=6 m=22
